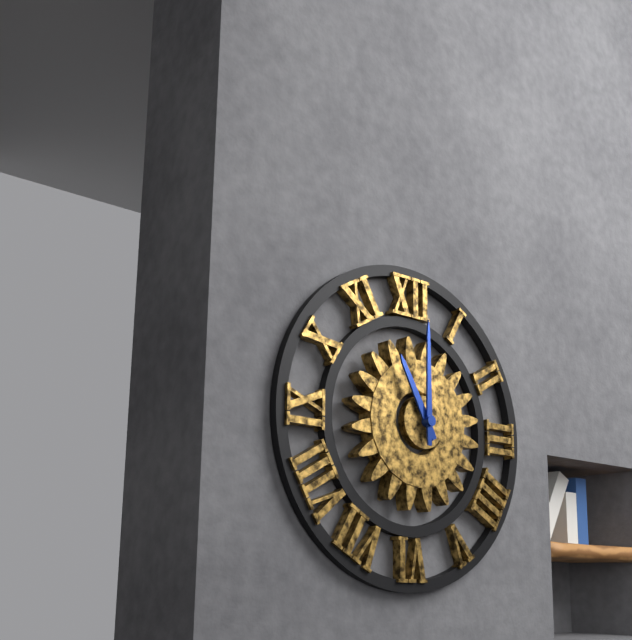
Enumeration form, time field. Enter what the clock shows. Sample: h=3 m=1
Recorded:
h=11 m=0
